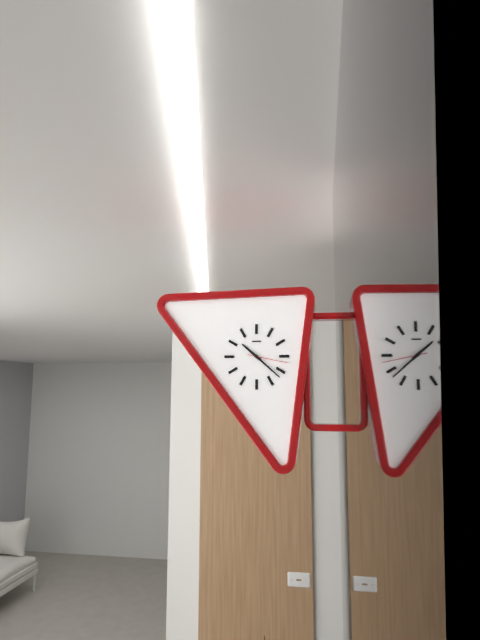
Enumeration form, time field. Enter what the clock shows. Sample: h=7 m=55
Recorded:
h=10 m=22
